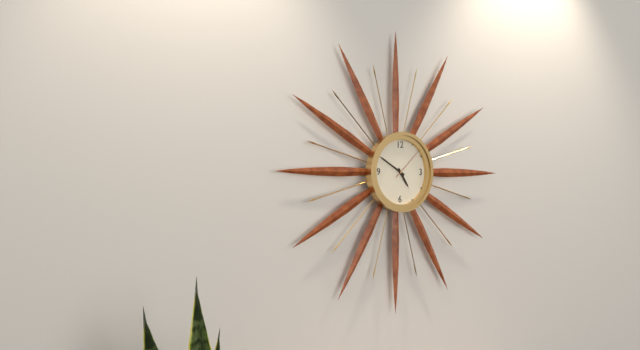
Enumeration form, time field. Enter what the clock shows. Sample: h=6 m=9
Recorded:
h=4 m=50
